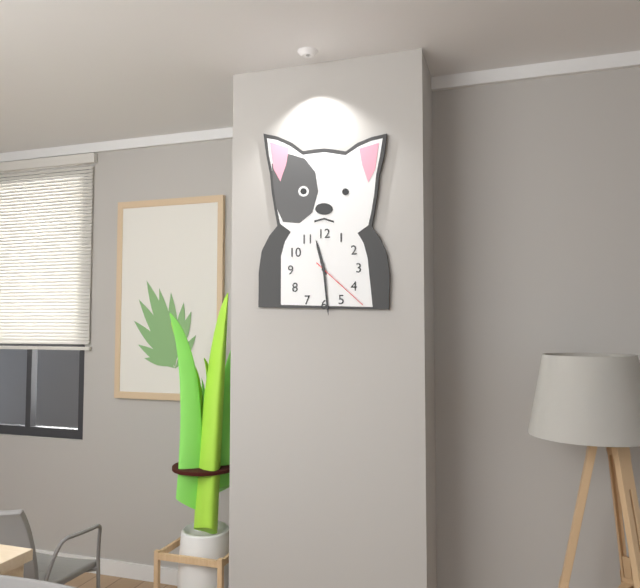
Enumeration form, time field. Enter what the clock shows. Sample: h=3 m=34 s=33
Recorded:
h=11 m=29 s=22
